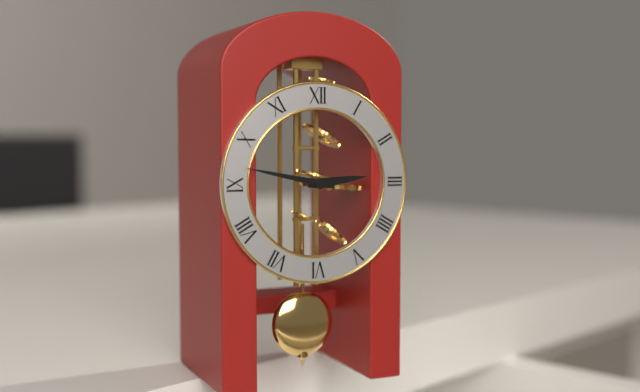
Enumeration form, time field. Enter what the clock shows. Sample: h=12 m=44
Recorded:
h=2 m=47
